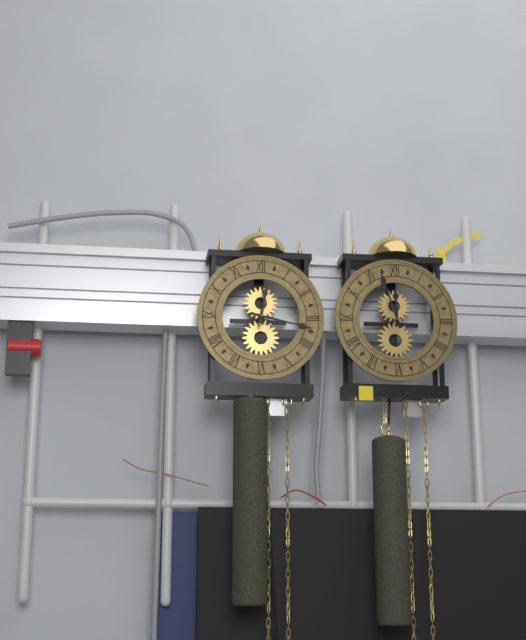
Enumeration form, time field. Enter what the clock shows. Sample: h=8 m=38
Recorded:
h=12 m=17
